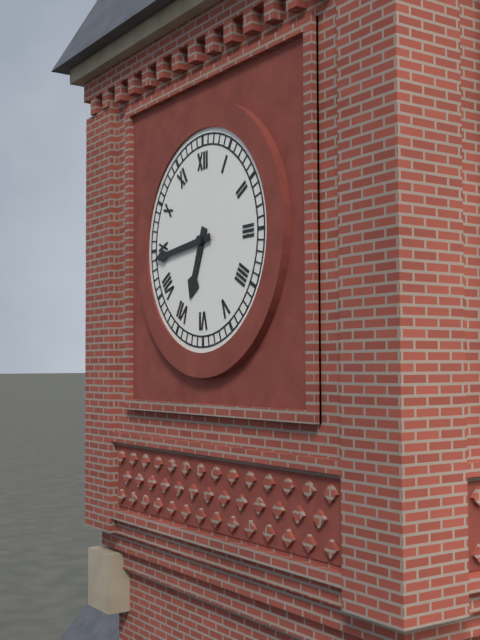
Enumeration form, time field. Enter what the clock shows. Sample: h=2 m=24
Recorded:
h=6 m=44
